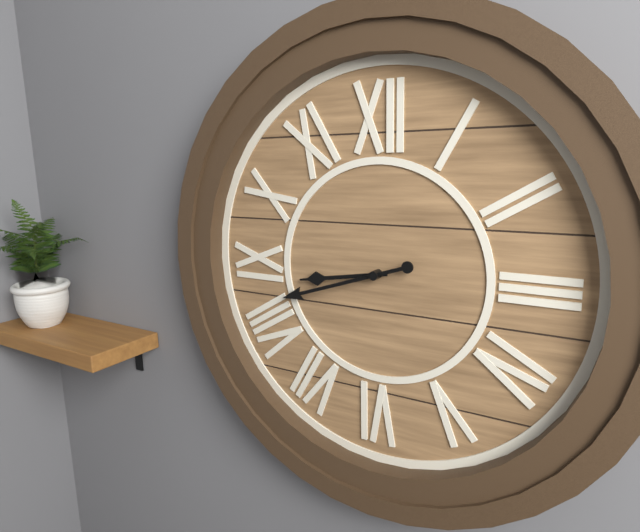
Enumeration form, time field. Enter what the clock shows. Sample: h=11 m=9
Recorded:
h=8 m=42
